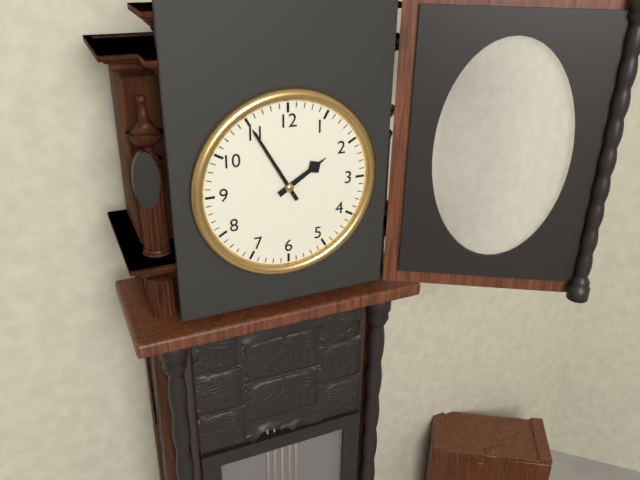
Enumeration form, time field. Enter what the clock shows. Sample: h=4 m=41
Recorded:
h=1 m=55
